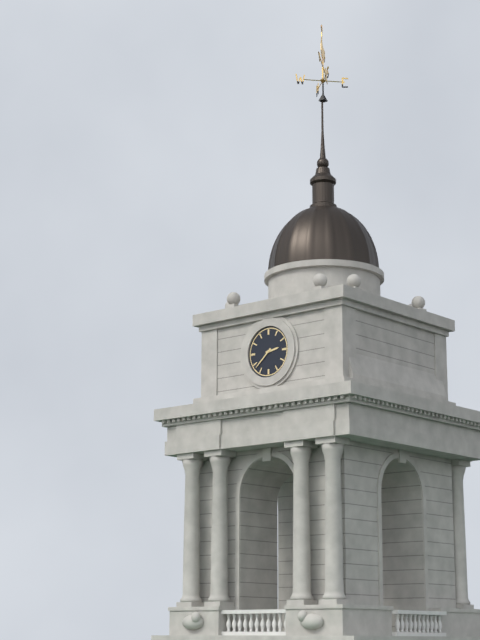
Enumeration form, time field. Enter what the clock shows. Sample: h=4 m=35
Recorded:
h=2 m=38
